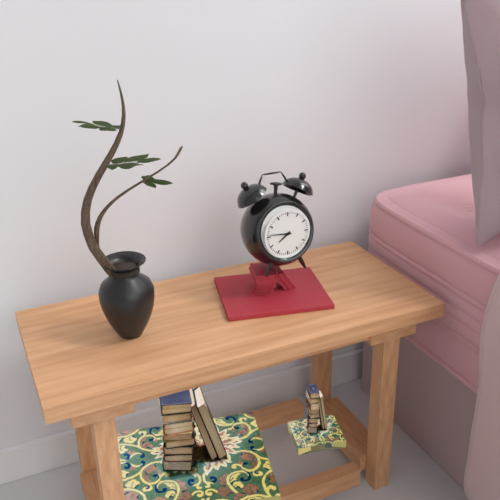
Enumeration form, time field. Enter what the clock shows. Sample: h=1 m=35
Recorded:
h=7 m=46
